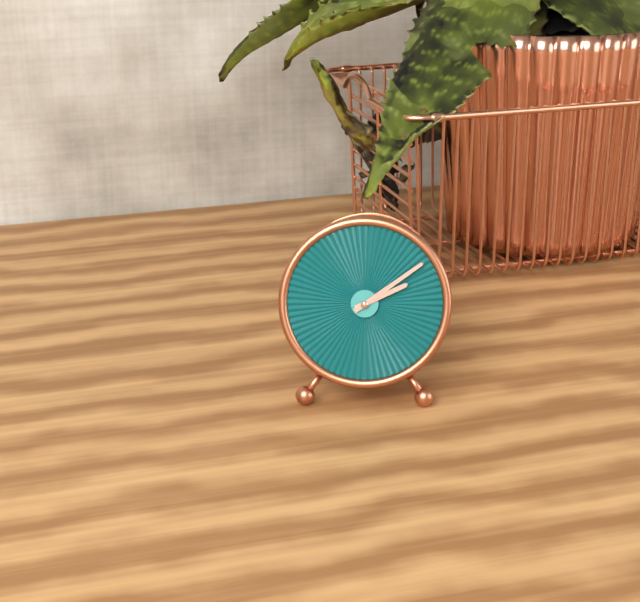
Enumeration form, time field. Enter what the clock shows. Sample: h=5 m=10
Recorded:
h=2 m=9
